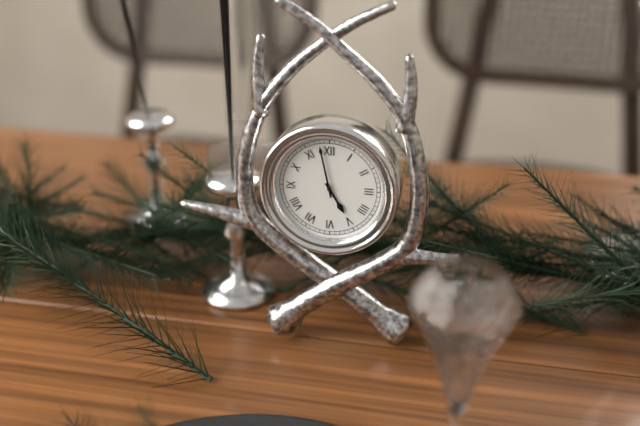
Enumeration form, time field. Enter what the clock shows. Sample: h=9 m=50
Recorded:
h=4 m=58
